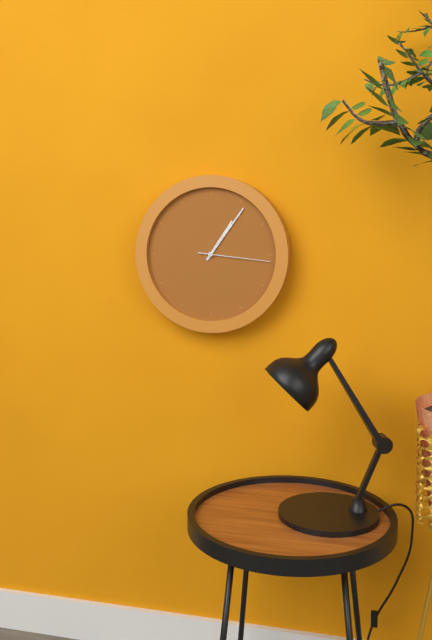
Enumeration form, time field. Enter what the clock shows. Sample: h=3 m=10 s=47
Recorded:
h=1 m=6 s=16
